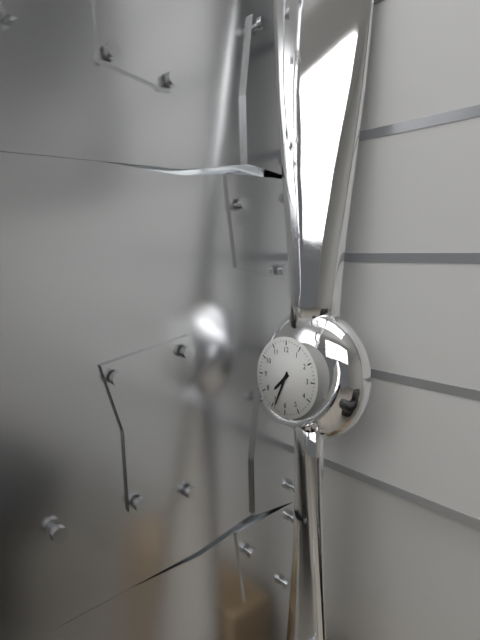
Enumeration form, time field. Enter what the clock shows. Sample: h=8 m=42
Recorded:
h=7 m=34
